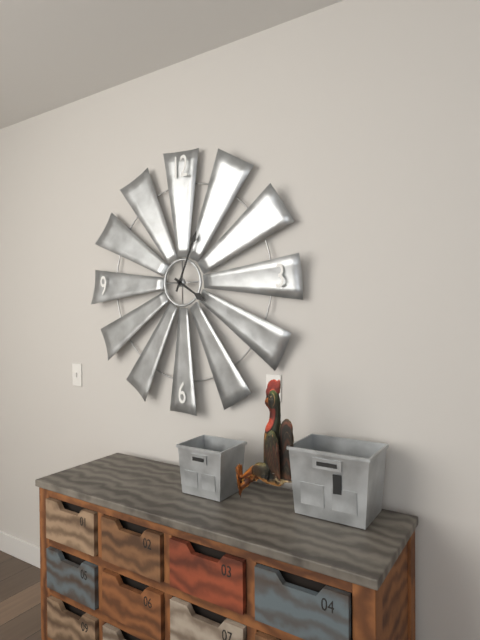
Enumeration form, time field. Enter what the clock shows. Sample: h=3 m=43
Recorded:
h=4 m=4
